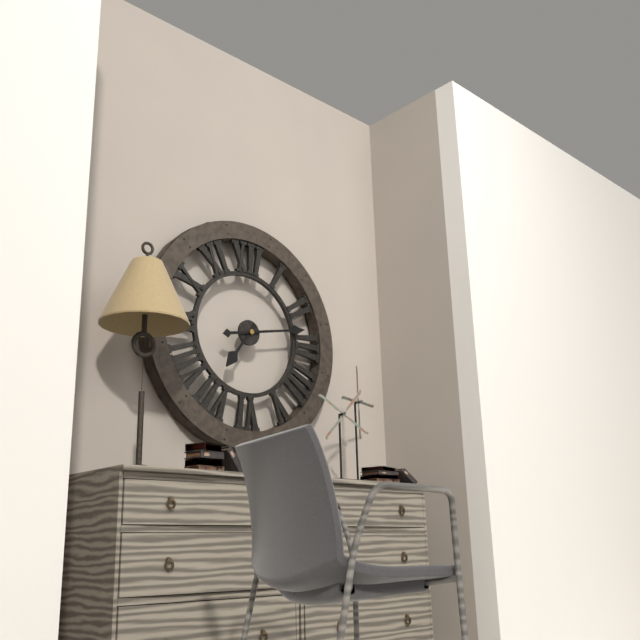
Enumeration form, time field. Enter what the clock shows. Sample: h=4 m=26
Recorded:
h=7 m=13
